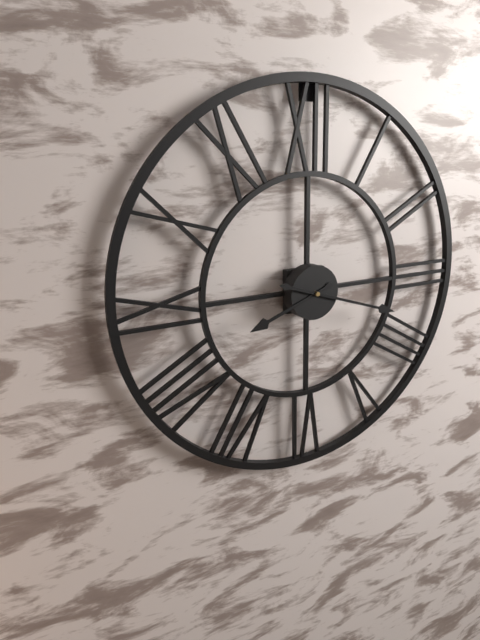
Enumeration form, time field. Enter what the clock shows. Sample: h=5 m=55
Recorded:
h=8 m=18
